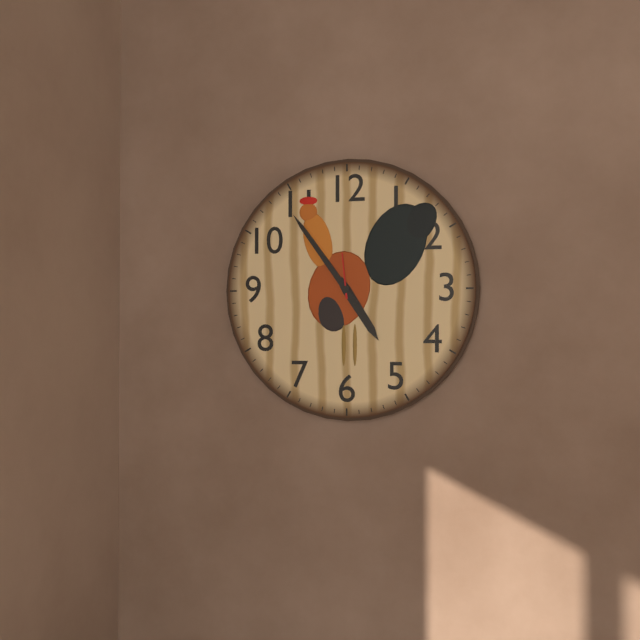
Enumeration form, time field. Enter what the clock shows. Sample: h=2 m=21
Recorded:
h=4 m=54
